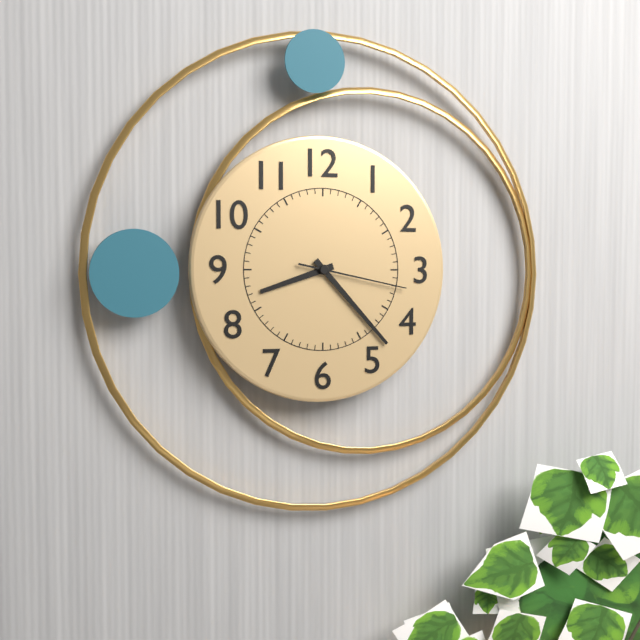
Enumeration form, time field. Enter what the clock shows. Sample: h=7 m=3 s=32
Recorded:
h=8 m=23 s=17
